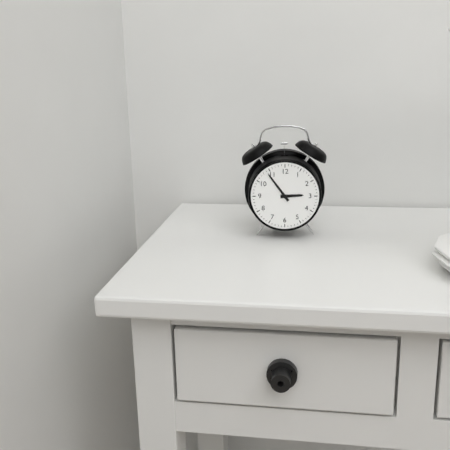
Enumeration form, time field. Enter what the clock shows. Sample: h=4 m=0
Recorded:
h=2 m=54
